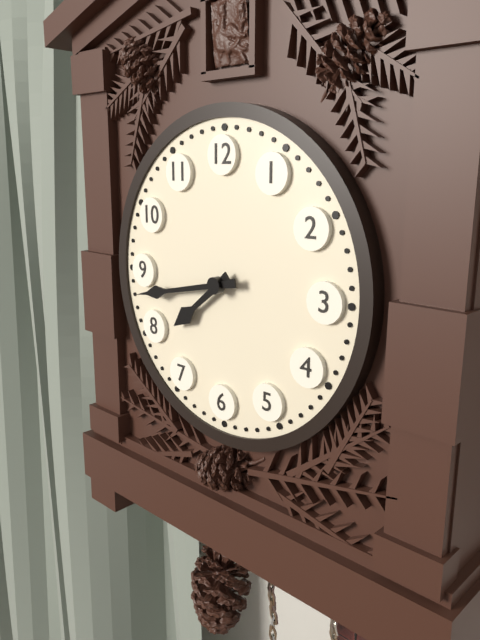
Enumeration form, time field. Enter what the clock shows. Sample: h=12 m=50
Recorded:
h=7 m=43
